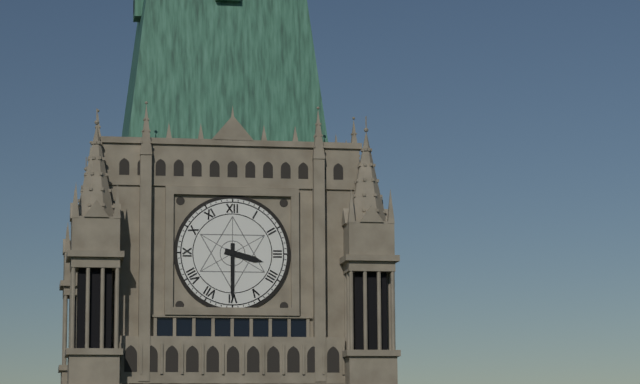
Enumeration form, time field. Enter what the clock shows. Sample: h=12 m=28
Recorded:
h=3 m=30
